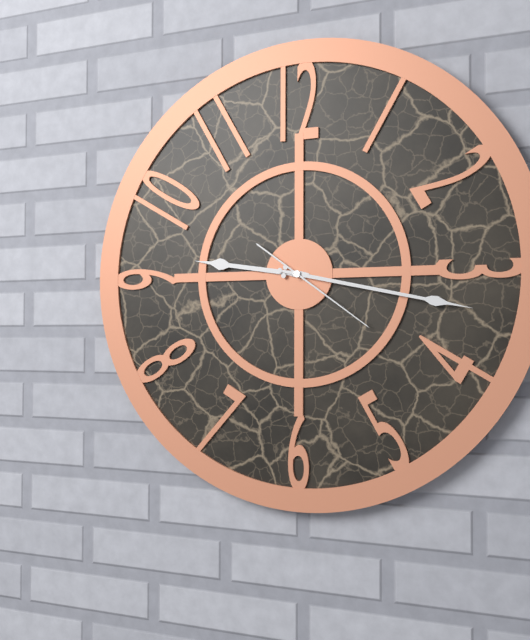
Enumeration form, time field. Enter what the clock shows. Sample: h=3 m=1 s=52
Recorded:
h=9 m=17 s=21
